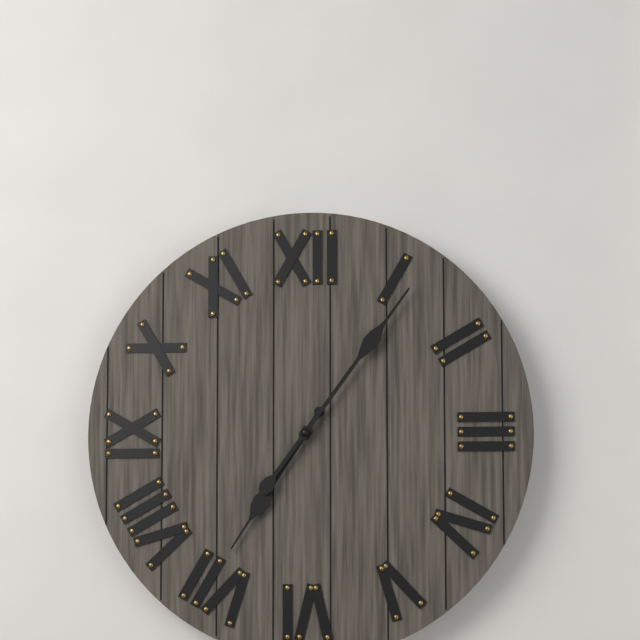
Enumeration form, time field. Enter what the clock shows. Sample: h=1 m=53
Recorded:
h=7 m=6
